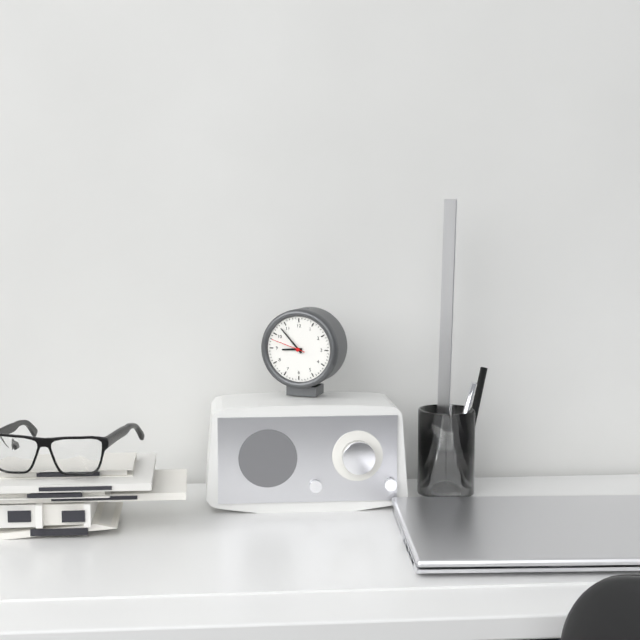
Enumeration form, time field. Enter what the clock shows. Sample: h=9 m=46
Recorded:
h=8 m=53
